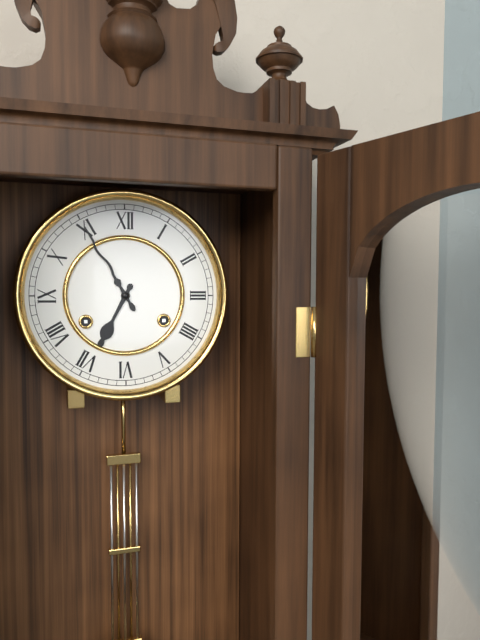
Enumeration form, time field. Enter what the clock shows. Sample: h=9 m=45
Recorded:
h=6 m=55
